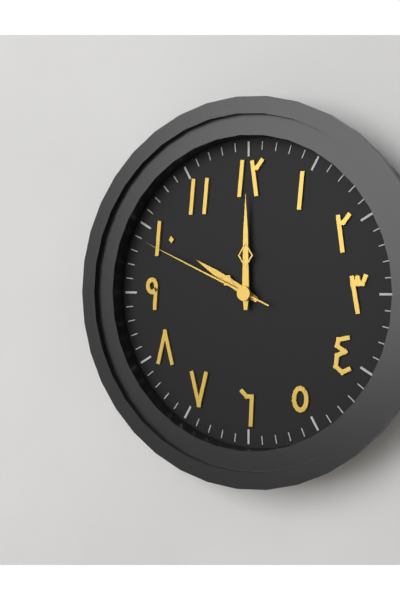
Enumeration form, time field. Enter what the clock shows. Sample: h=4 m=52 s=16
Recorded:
h=10 m=0 s=49
